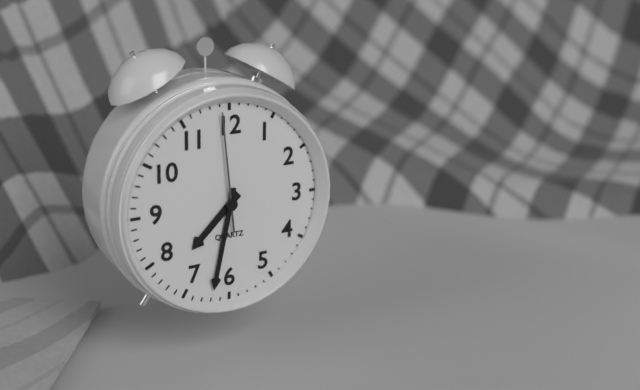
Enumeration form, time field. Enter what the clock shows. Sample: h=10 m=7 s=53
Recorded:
h=7 m=32 s=59
